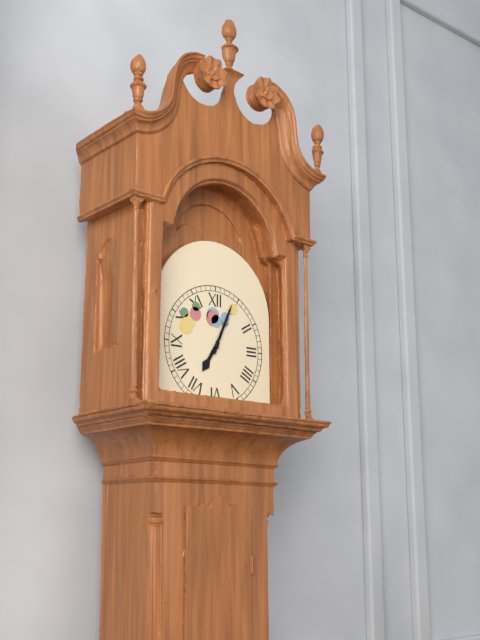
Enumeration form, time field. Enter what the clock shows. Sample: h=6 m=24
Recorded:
h=7 m=4
